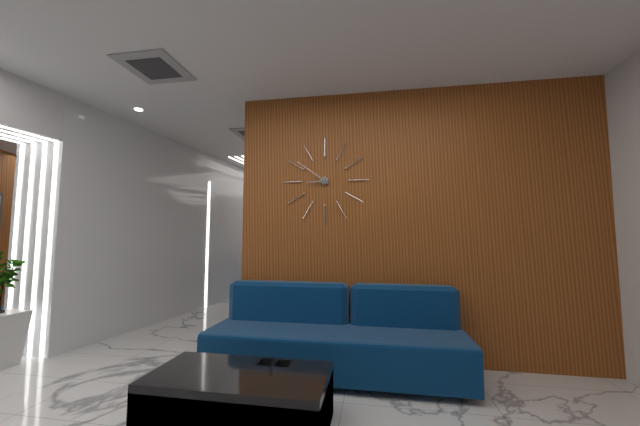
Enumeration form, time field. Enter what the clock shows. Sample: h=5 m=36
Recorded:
h=8 m=51
